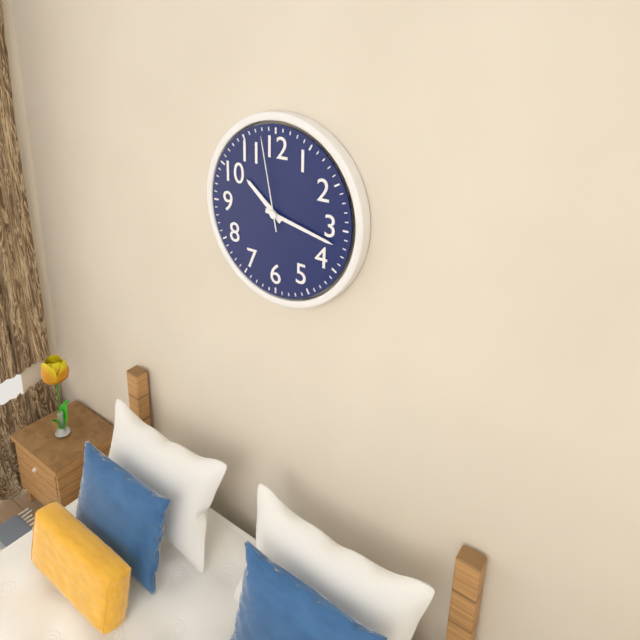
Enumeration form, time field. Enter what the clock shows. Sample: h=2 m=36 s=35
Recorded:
h=10 m=17 s=58
